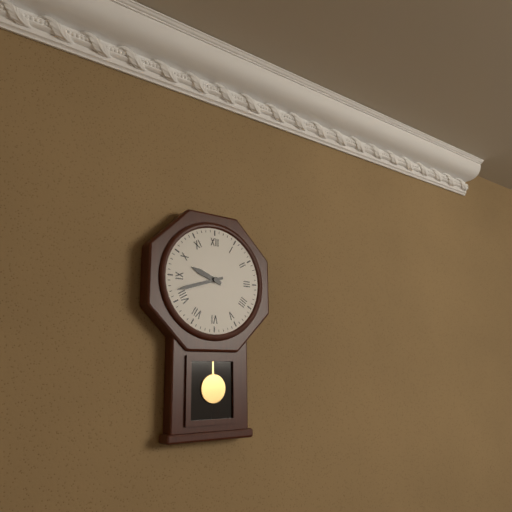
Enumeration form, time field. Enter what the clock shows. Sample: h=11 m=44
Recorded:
h=9 m=42
